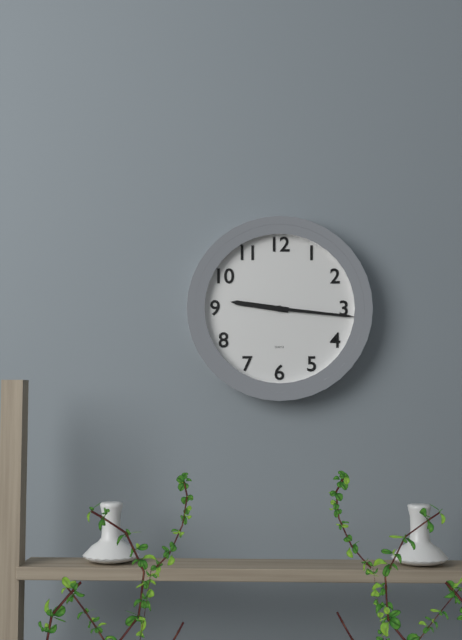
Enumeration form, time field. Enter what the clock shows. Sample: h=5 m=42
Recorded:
h=9 m=16
